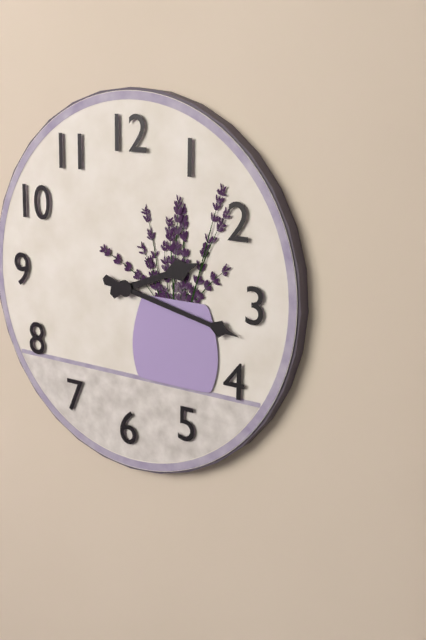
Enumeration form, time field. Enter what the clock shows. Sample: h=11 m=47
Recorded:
h=2 m=17
